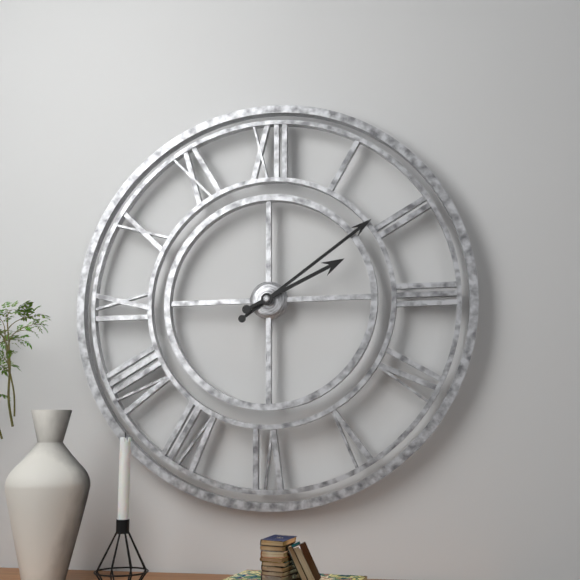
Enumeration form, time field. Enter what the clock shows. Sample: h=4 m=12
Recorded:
h=2 m=9
